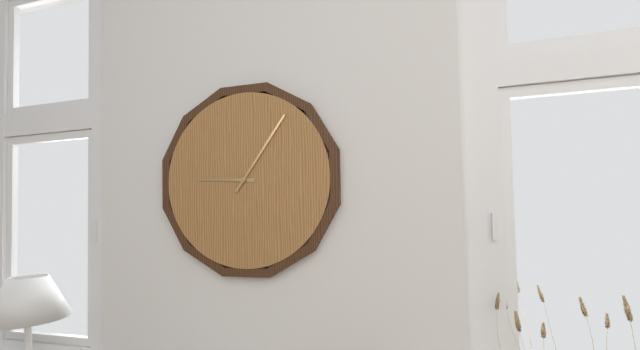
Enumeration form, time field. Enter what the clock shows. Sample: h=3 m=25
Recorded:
h=9 m=6
